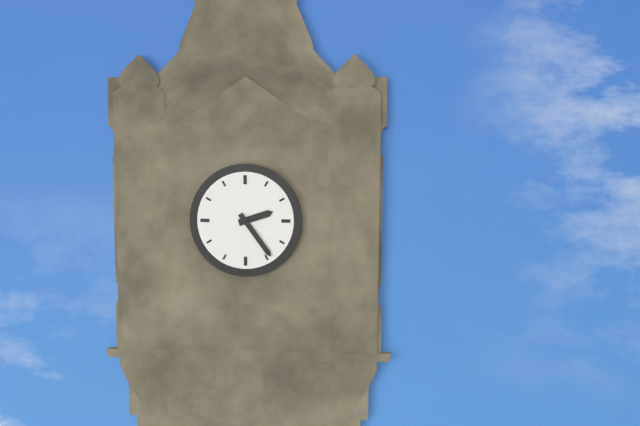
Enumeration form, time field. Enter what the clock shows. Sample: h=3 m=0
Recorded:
h=2 m=24
